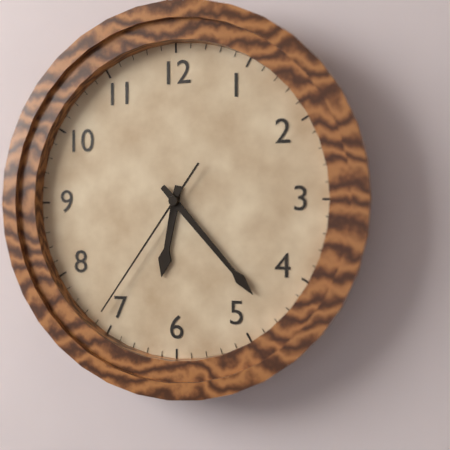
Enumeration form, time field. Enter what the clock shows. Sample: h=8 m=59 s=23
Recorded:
h=6 m=23 s=36
